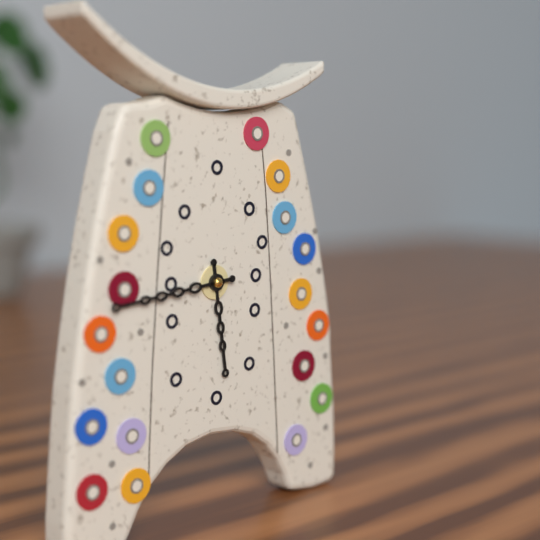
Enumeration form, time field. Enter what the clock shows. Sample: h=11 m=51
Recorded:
h=5 m=44
